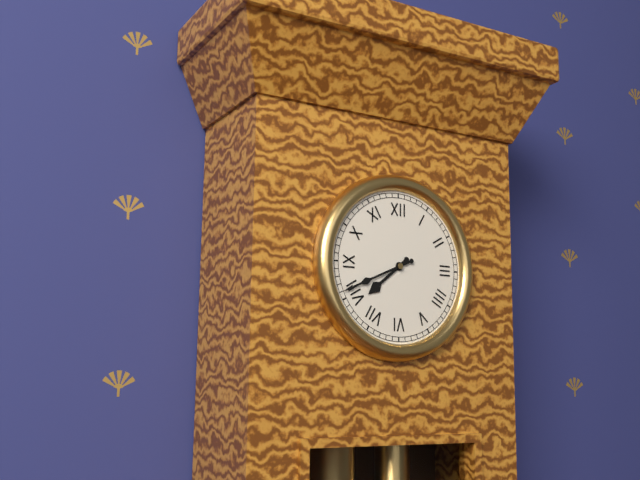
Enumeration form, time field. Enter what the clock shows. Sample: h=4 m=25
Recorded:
h=7 m=41
